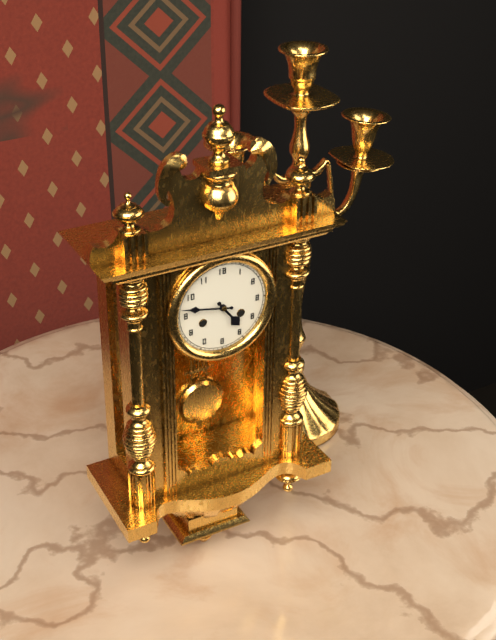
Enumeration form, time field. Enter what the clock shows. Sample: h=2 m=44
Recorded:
h=4 m=47
